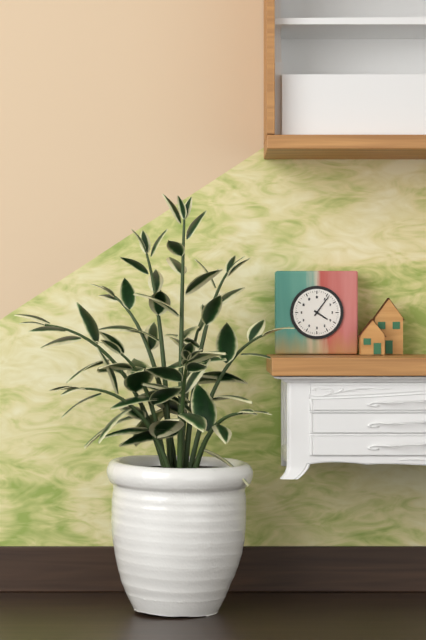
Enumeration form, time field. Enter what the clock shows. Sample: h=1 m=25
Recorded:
h=4 m=6
